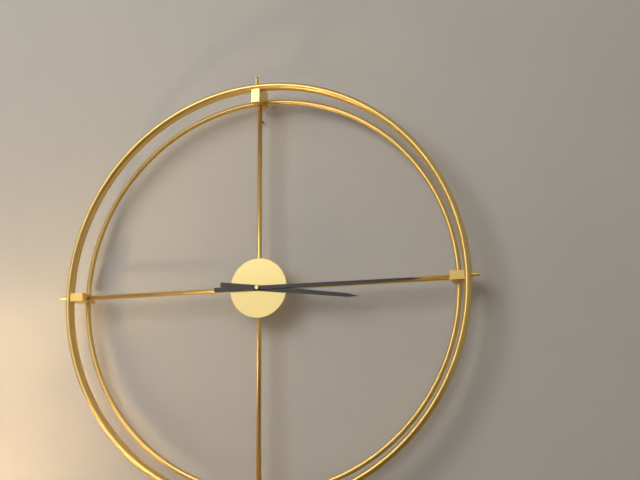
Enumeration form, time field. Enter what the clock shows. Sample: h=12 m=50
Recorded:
h=3 m=15
